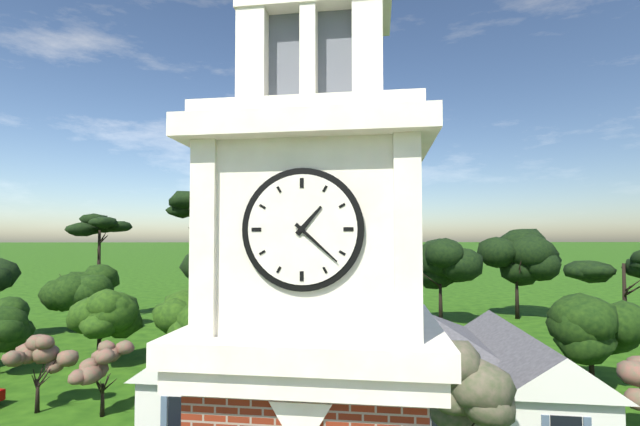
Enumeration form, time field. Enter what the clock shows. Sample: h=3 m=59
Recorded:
h=1 m=22
